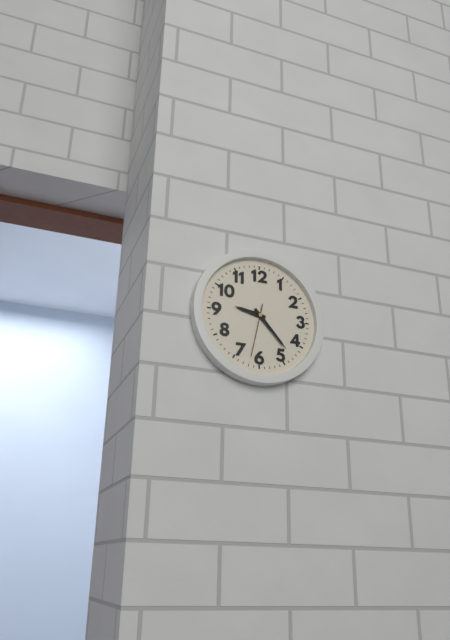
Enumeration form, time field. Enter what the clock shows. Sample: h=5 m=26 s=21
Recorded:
h=9 m=23 s=32
